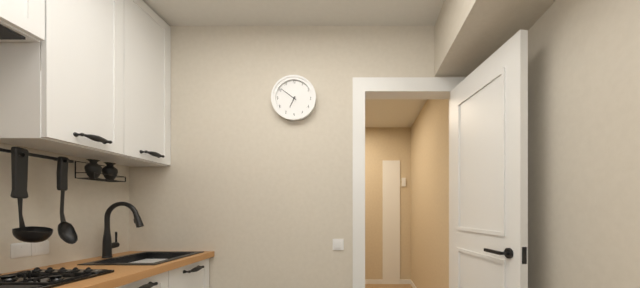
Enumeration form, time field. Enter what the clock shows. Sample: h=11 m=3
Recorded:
h=6 m=51
